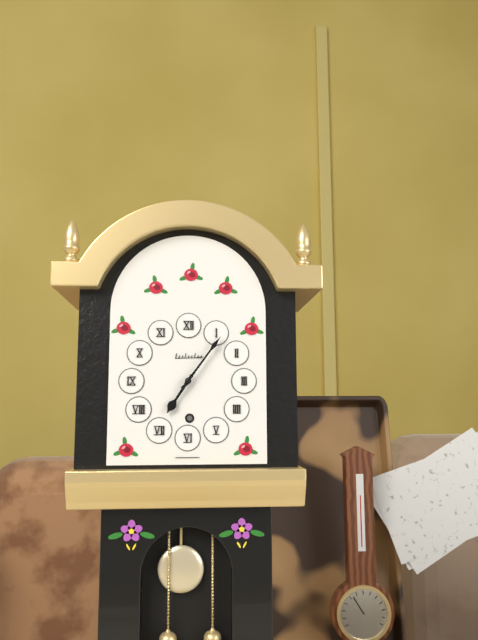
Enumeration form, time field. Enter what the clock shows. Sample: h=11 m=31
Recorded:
h=7 m=6
